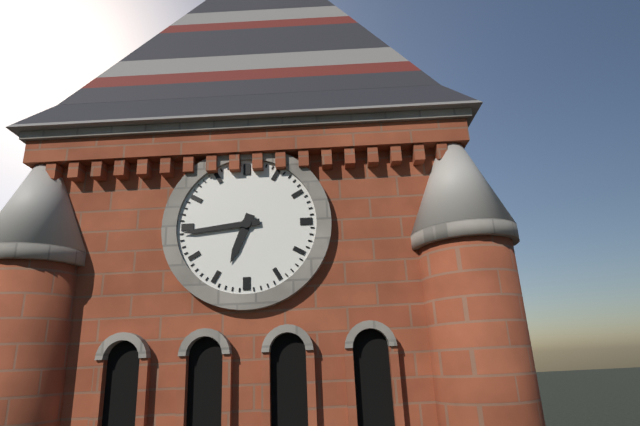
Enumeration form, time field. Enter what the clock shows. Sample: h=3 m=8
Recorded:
h=6 m=44
